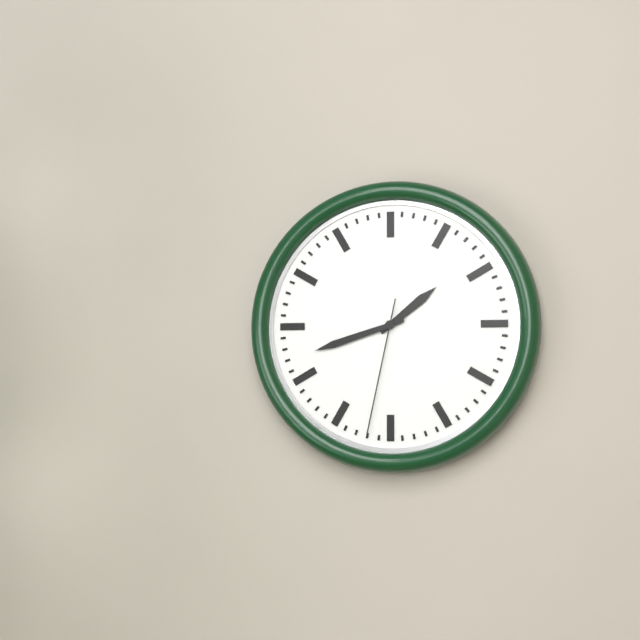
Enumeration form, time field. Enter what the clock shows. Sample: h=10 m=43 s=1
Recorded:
h=1 m=42 s=32
